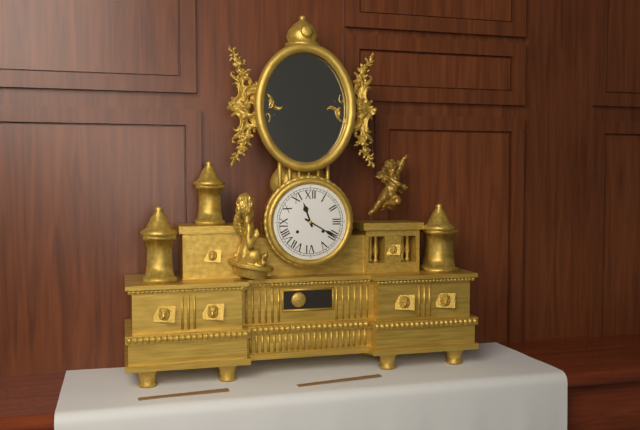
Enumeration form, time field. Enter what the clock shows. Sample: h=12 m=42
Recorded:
h=11 m=20
